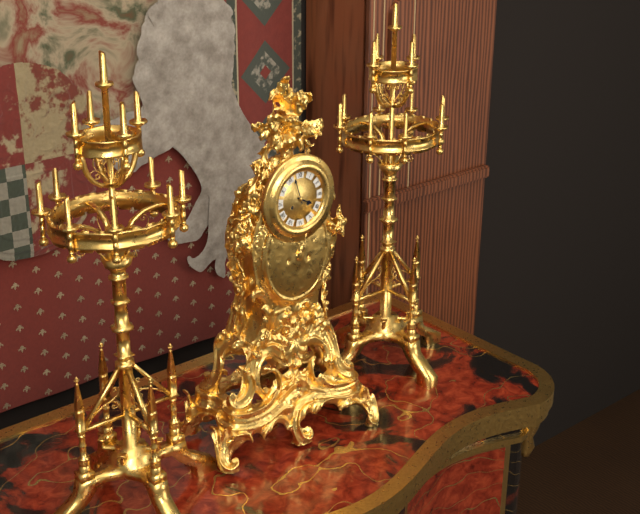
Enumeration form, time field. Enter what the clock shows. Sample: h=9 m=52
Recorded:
h=3 m=57
